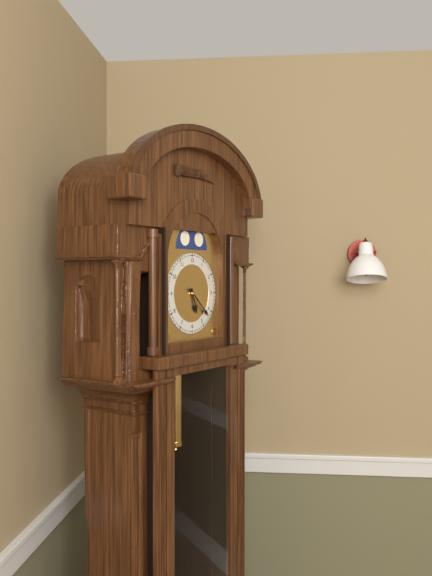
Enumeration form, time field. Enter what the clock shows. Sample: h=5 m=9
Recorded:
h=5 m=22
